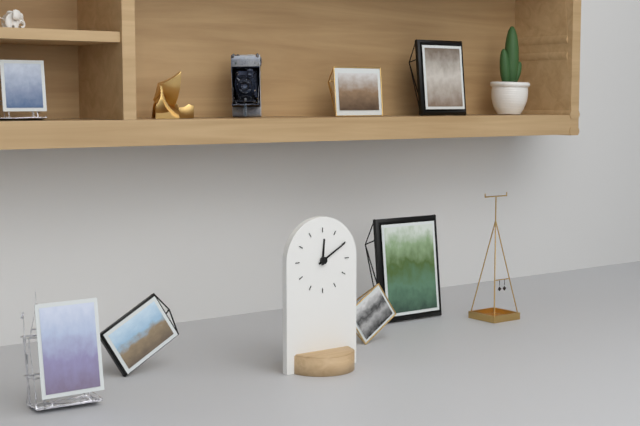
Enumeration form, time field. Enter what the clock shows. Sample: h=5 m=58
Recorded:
h=12 m=10
